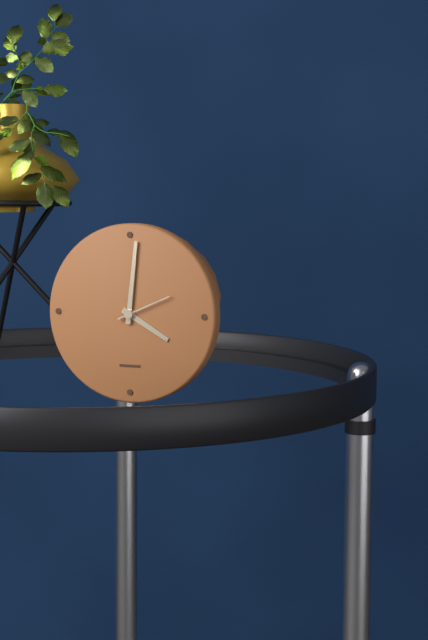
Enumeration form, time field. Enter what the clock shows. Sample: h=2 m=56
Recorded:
h=4 m=1
